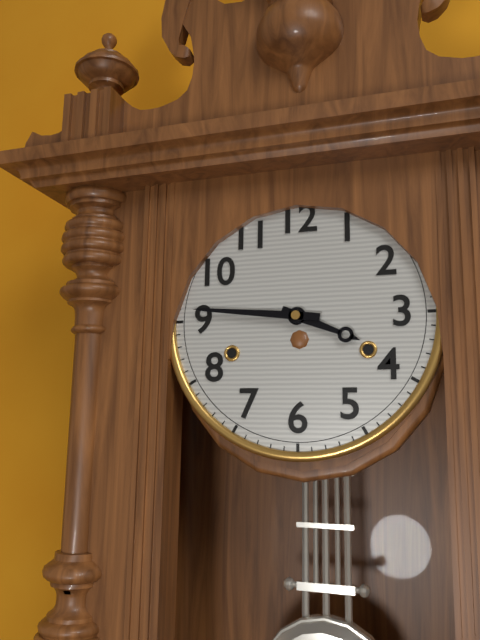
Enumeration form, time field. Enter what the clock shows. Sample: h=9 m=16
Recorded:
h=3 m=46
